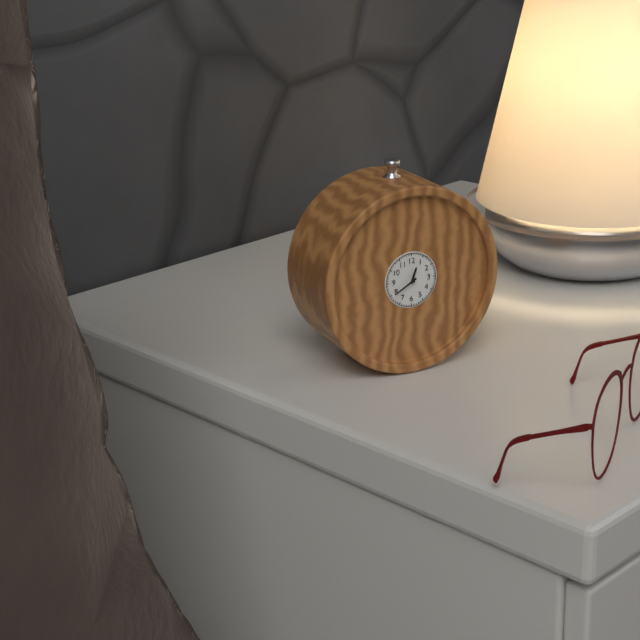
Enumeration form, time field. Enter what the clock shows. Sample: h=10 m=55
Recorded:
h=12 m=40
